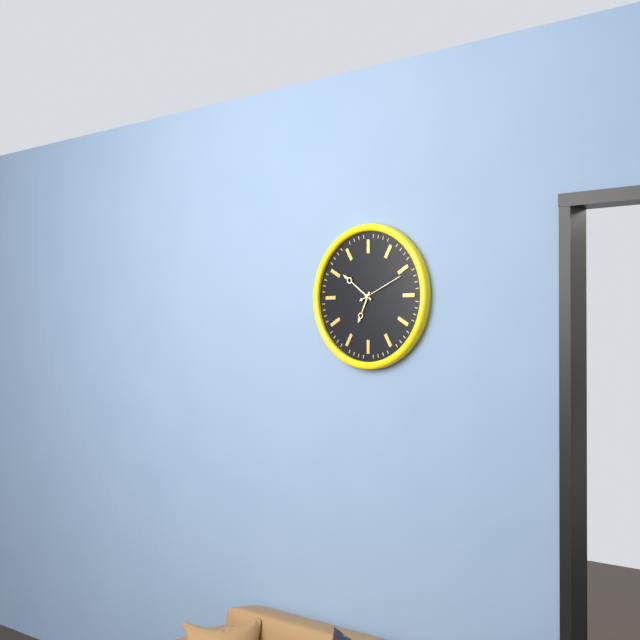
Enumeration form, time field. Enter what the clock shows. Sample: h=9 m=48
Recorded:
h=6 m=51
